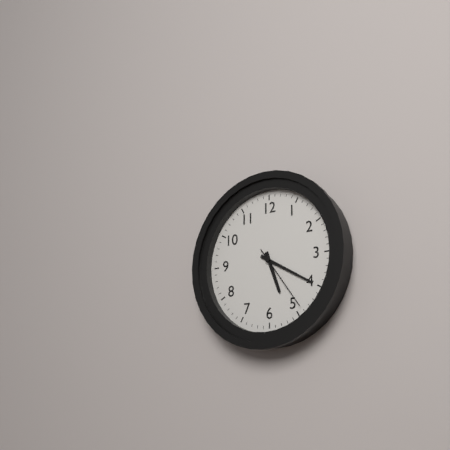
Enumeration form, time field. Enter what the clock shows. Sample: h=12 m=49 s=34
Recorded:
h=5 m=20 s=24
